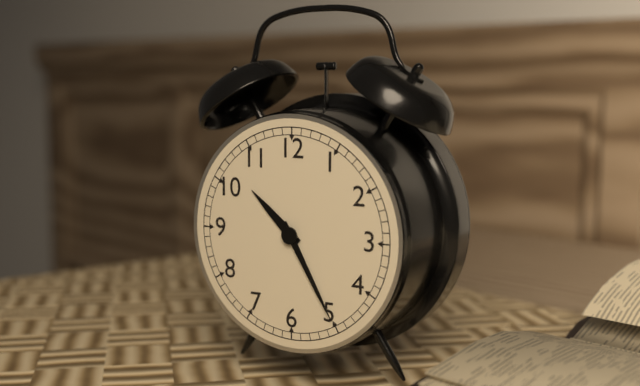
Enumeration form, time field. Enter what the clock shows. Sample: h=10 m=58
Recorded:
h=10 m=25
